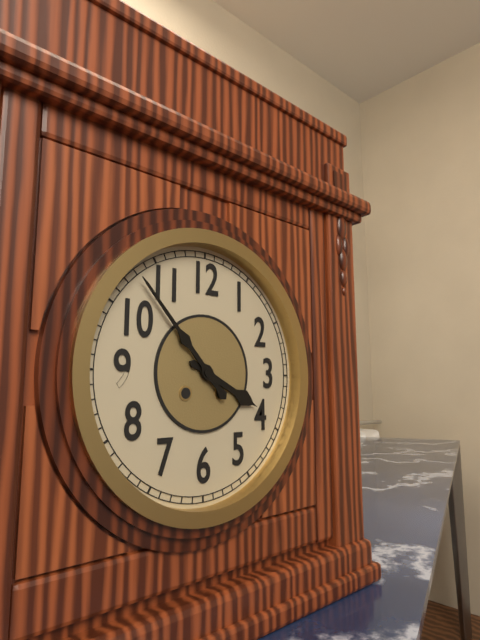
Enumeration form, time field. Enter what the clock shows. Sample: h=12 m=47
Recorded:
h=3 m=53
